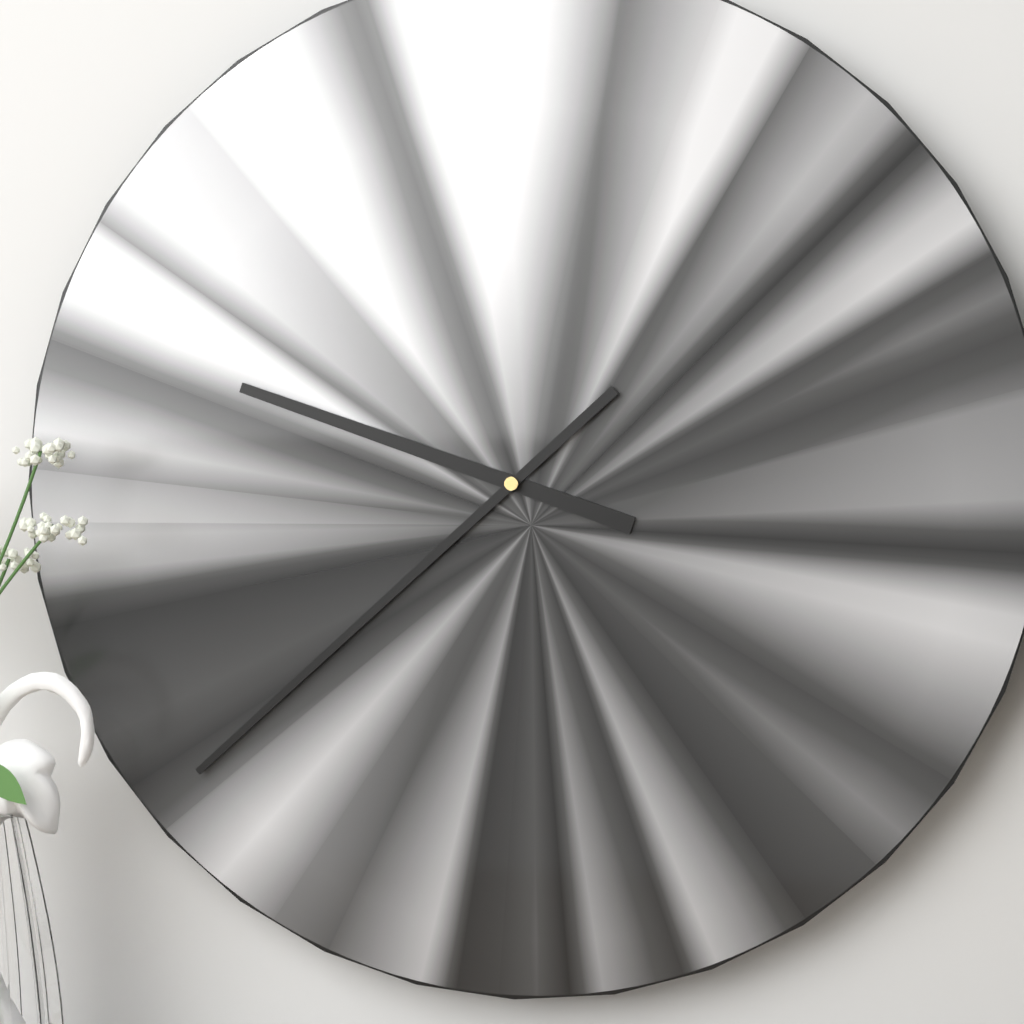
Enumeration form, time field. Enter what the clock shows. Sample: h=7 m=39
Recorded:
h=9 m=38
